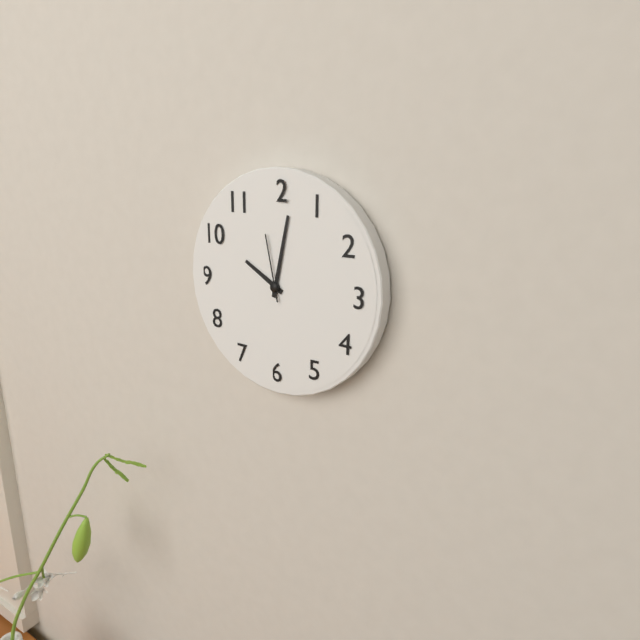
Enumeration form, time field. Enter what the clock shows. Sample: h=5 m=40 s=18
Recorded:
h=10 m=2 s=58
